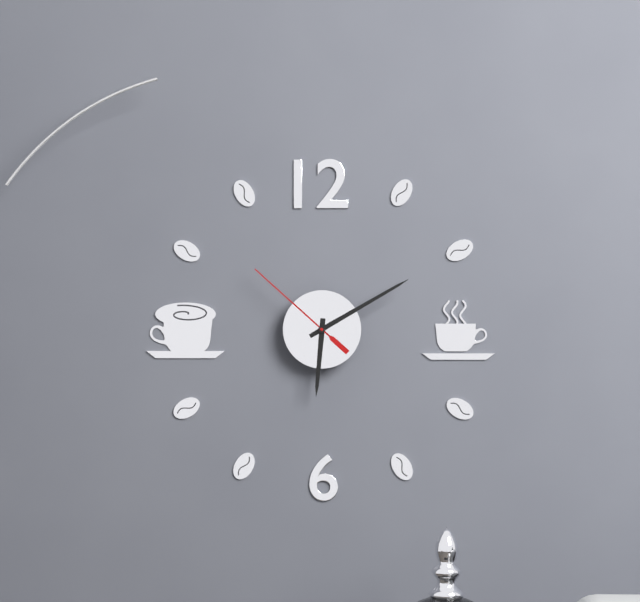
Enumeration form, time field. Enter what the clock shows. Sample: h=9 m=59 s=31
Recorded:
h=6 m=10 s=52
